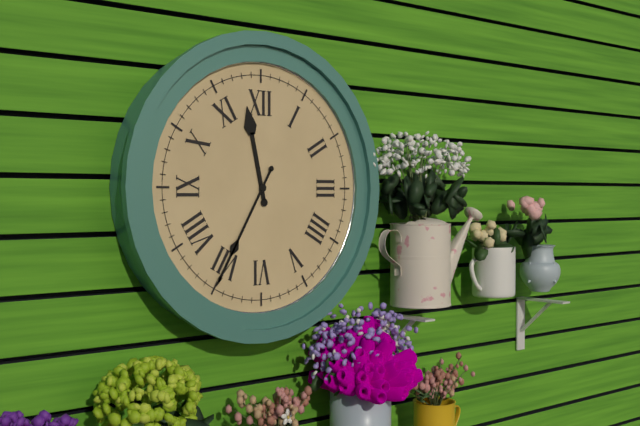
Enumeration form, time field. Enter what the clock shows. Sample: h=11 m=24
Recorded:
h=11 m=35
